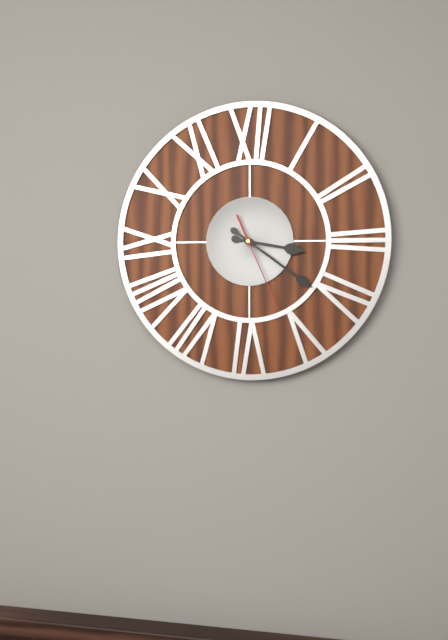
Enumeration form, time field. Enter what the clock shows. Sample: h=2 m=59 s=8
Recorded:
h=3 m=21 s=26
